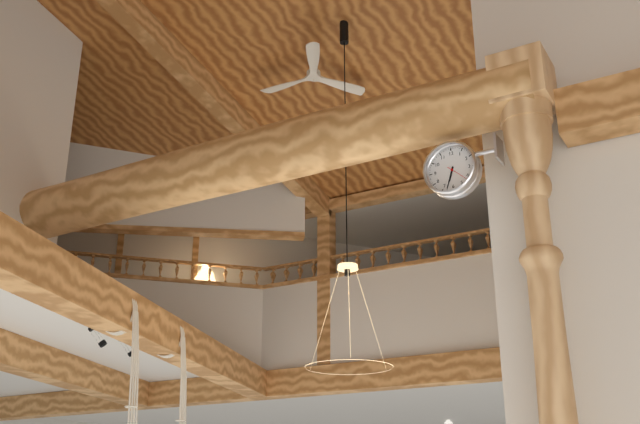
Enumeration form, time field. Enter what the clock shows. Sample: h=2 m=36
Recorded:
h=6 m=33
